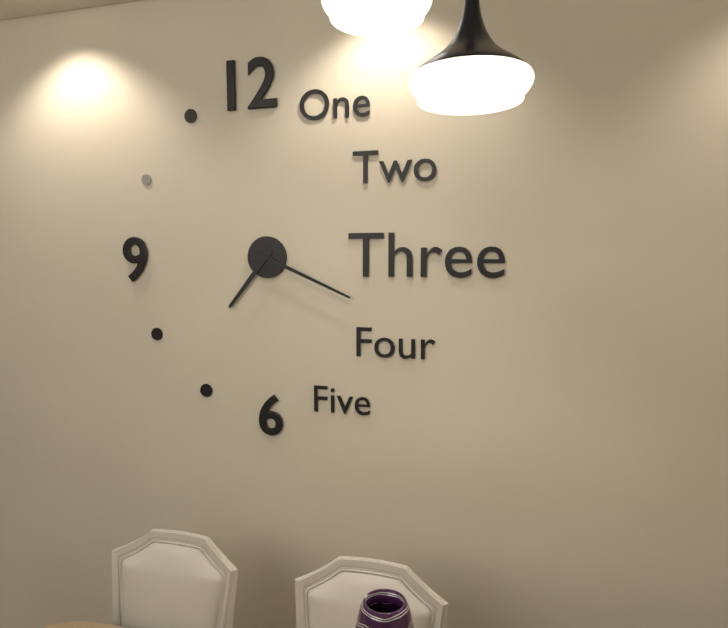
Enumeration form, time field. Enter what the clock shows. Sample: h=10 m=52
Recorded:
h=7 m=19
